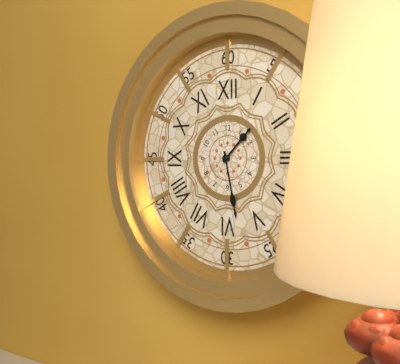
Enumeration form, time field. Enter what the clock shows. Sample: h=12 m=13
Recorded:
h=1 m=28
